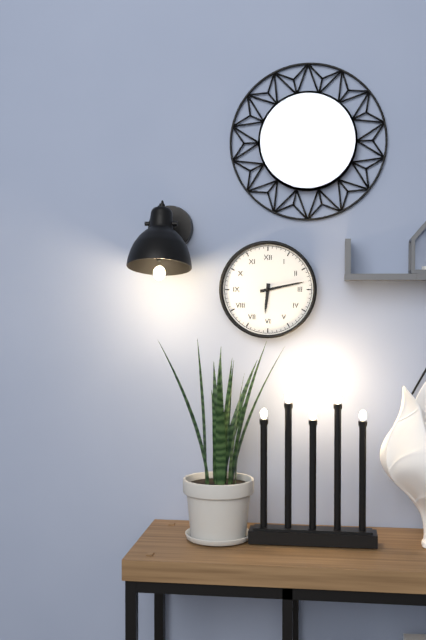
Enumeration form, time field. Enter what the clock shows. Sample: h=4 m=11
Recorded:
h=6 m=13
